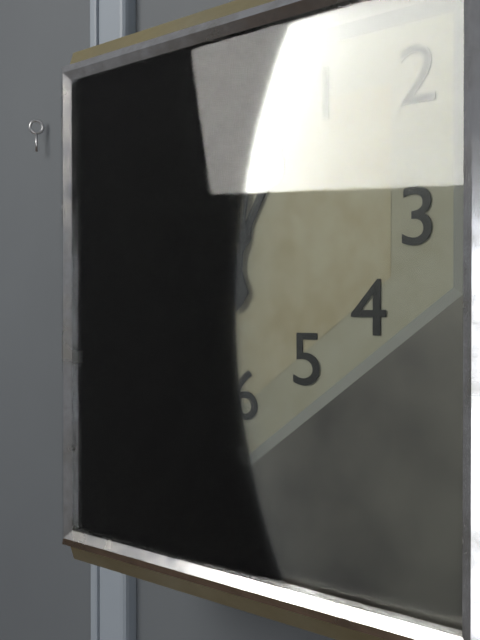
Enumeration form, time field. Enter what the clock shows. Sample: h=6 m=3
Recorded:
h=1 m=1
